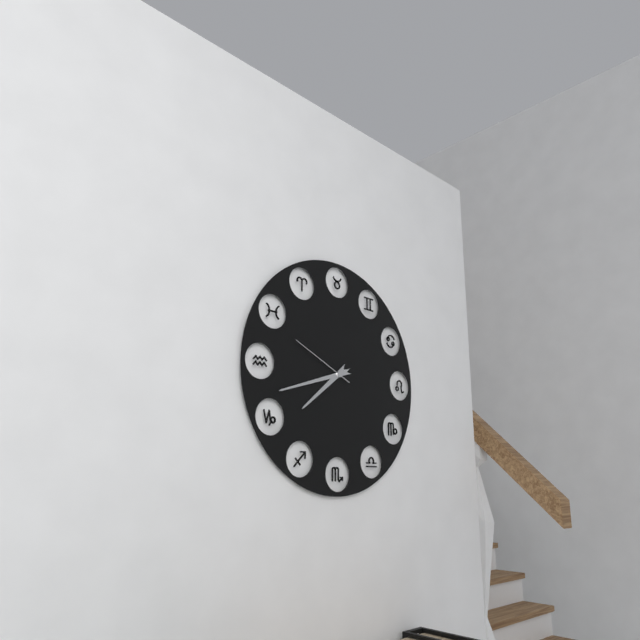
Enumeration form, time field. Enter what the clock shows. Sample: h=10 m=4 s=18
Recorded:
h=7 m=42 s=49
